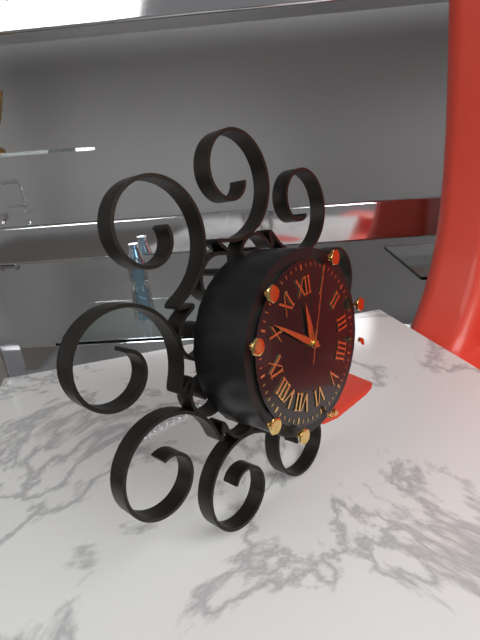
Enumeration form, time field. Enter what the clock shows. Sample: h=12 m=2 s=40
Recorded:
h=11 m=51 s=4
